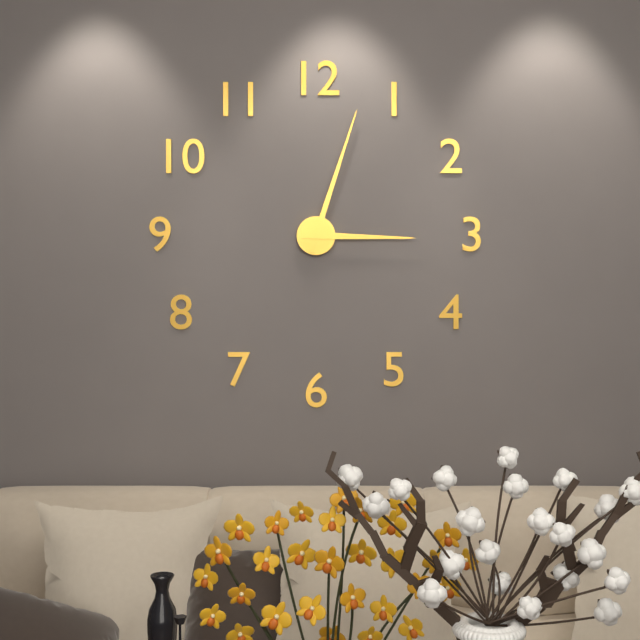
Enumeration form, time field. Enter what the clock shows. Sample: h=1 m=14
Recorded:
h=3 m=3
